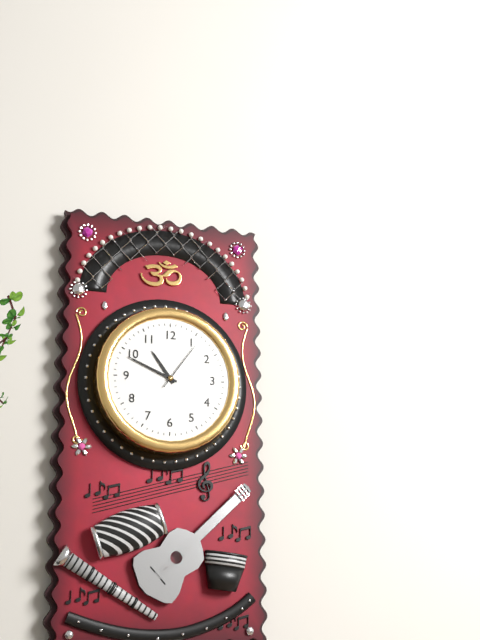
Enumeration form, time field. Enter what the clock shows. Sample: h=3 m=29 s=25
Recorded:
h=10 m=49 s=6
